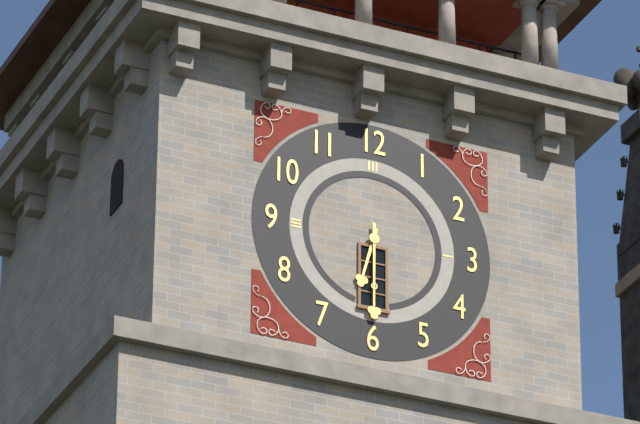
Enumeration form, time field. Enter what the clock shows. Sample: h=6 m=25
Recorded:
h=6 m=30
